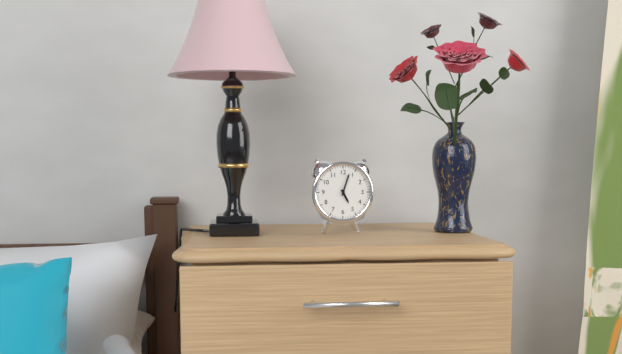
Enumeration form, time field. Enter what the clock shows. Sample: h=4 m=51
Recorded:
h=5 m=3
